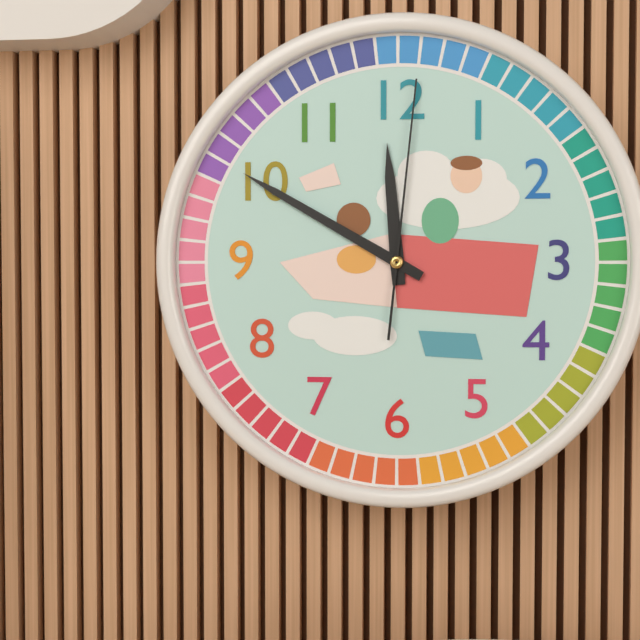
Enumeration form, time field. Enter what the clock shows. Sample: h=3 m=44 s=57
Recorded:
h=11 m=50 s=1
